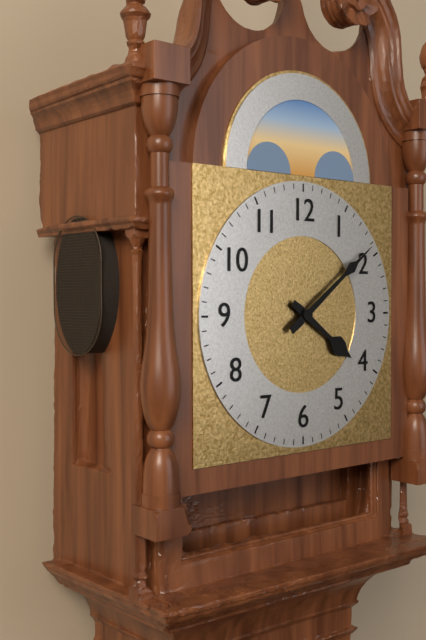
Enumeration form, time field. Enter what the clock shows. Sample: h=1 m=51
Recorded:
h=4 m=9
